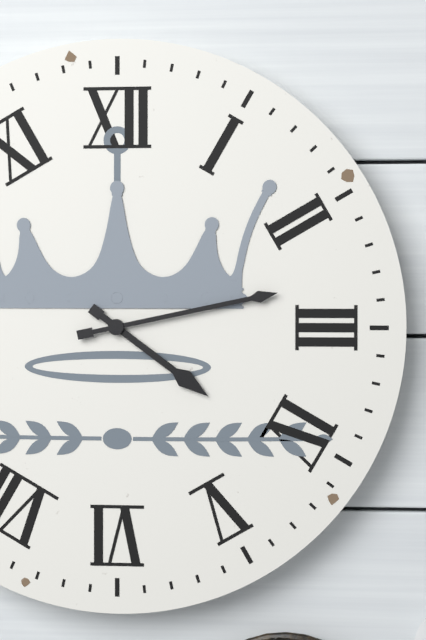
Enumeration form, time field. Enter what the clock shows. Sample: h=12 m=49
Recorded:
h=4 m=13
